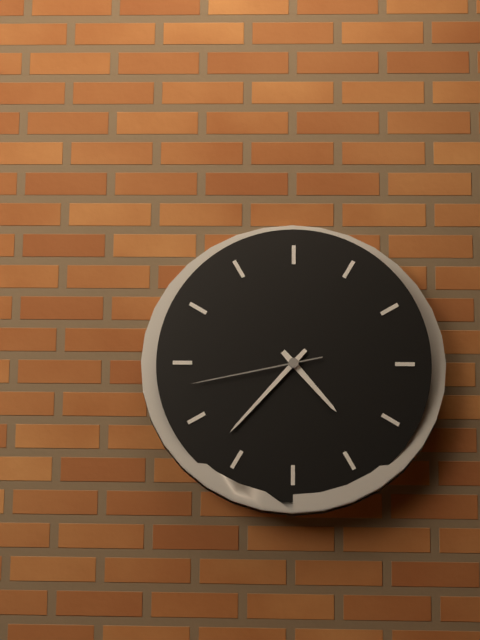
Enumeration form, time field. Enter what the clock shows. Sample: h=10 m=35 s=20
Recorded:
h=4 m=37 s=43
